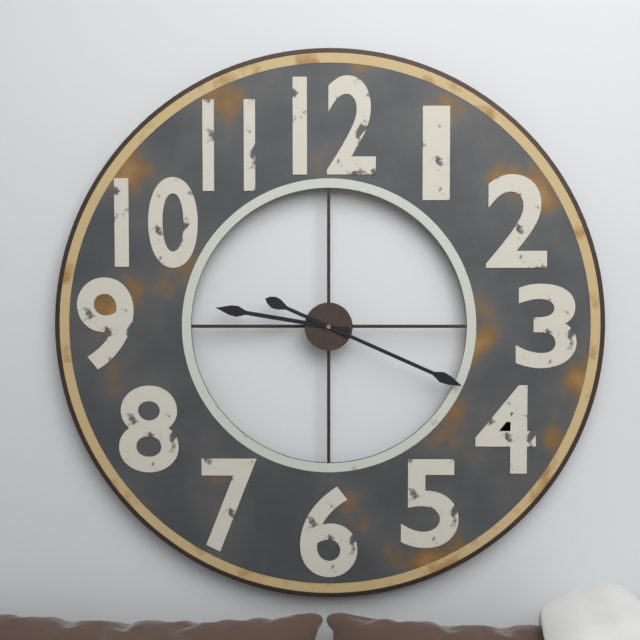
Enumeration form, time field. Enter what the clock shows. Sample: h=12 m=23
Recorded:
h=9 m=19
